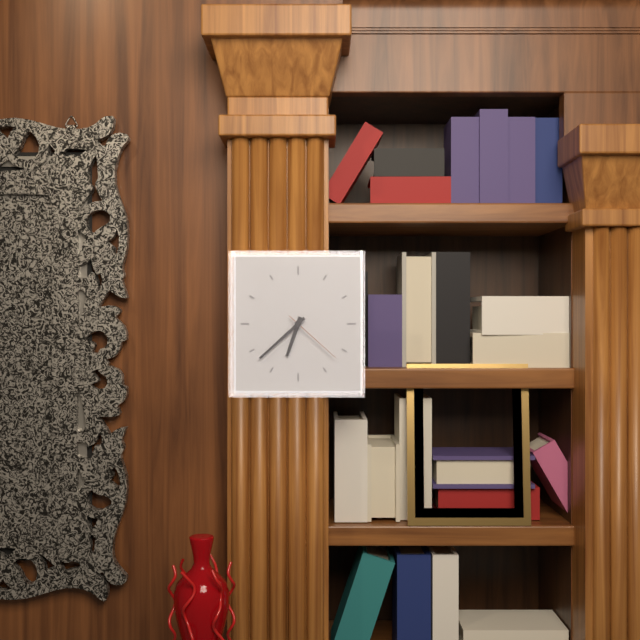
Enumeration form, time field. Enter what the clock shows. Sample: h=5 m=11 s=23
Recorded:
h=6 m=38 s=22
